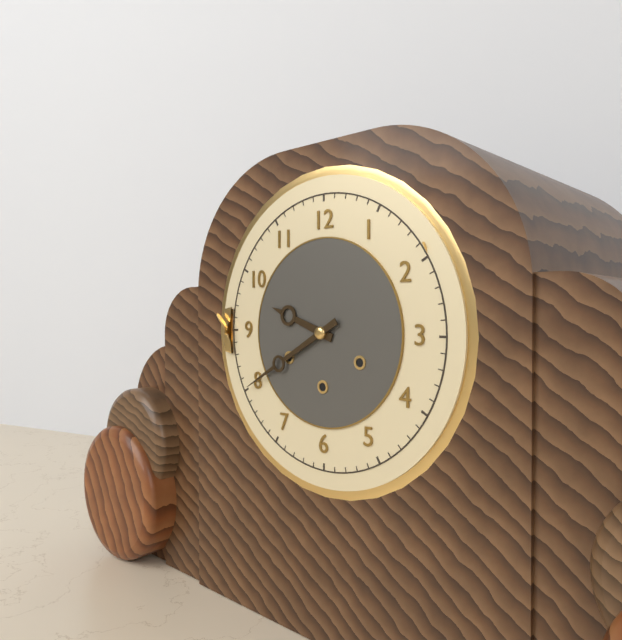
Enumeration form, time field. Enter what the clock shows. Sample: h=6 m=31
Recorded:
h=9 m=40
